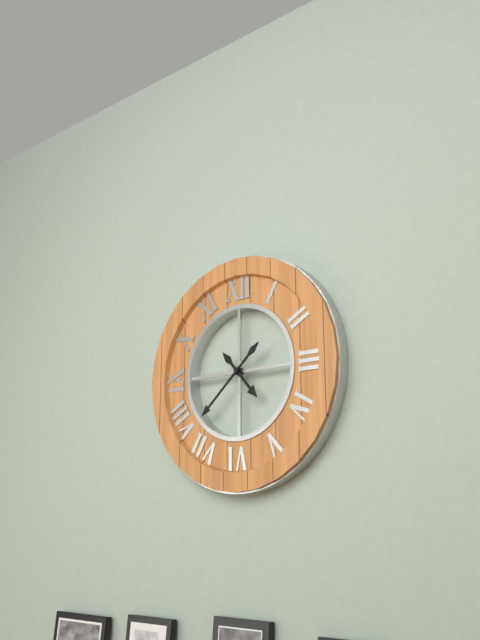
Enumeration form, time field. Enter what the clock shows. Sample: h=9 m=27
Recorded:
h=4 m=38
